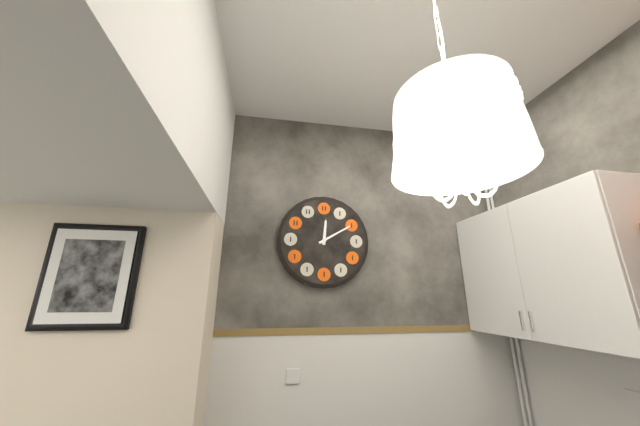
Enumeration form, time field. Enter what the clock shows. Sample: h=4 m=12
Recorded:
h=12 m=10
